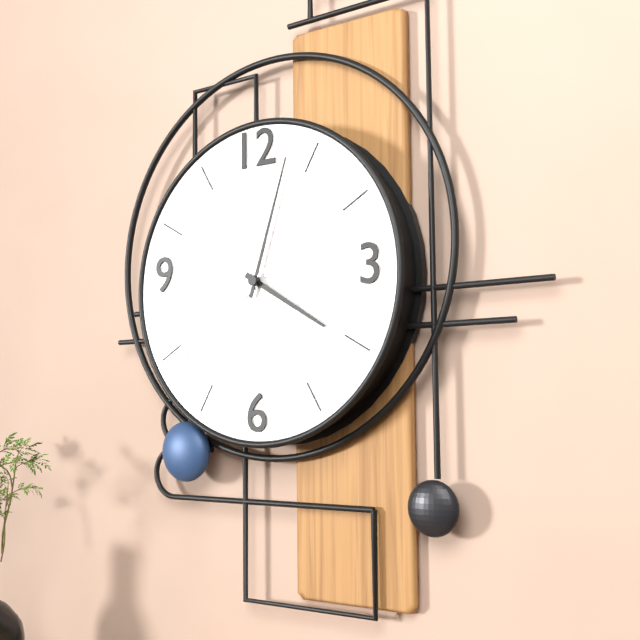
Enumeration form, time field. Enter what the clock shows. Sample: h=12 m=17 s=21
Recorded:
h=4 m=3 s=39
